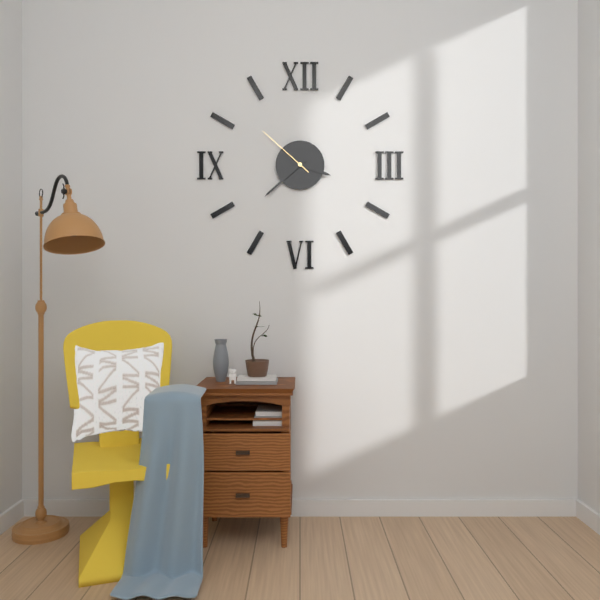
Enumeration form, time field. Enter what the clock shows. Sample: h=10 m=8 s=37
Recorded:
h=3 m=38 s=52
